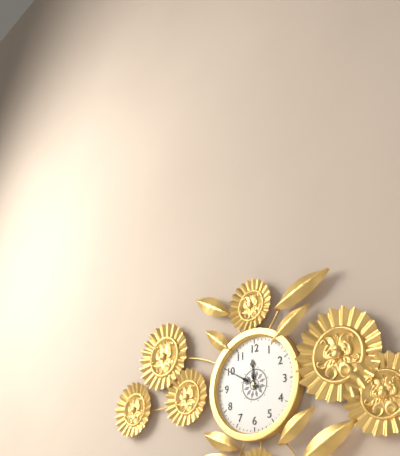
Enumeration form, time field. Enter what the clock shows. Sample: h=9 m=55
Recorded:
h=11 m=50
